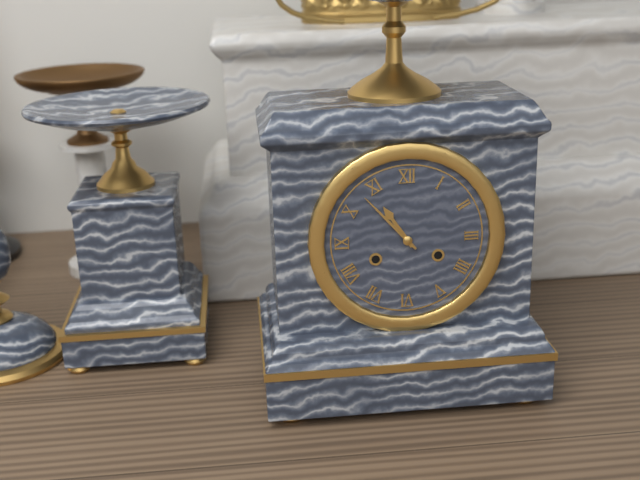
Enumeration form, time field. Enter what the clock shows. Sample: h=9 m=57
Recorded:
h=10 m=53
